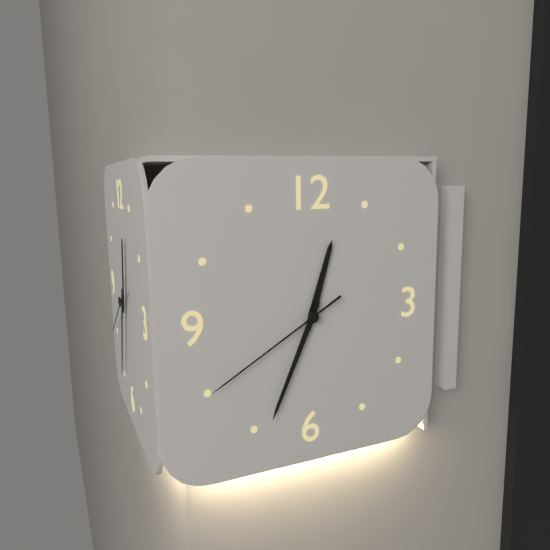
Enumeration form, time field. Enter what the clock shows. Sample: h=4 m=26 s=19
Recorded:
h=12 m=34 s=40
